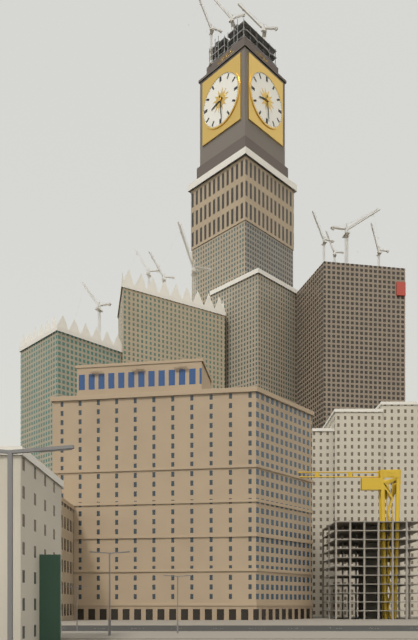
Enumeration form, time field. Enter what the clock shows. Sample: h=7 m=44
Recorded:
h=8 m=29
